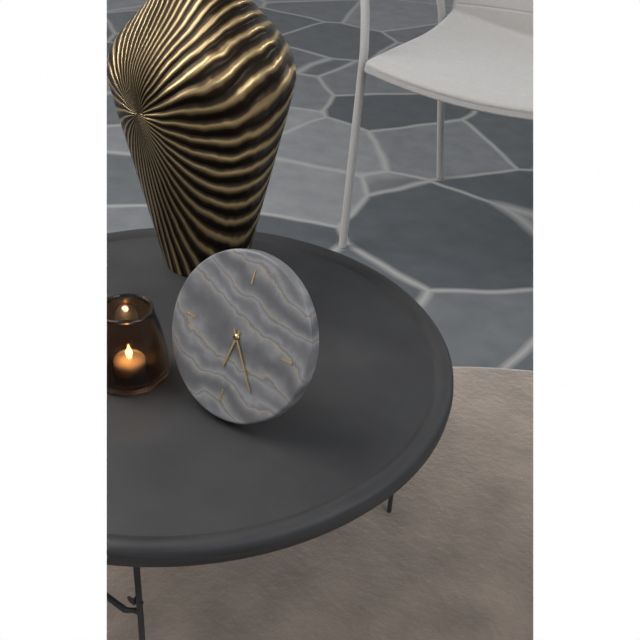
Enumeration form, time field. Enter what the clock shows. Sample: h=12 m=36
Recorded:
h=6 m=24
